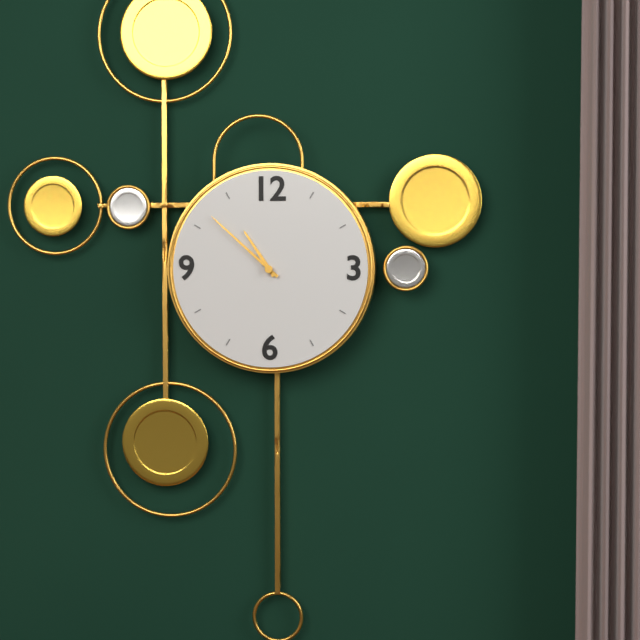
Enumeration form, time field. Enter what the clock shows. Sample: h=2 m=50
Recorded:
h=10 m=52
